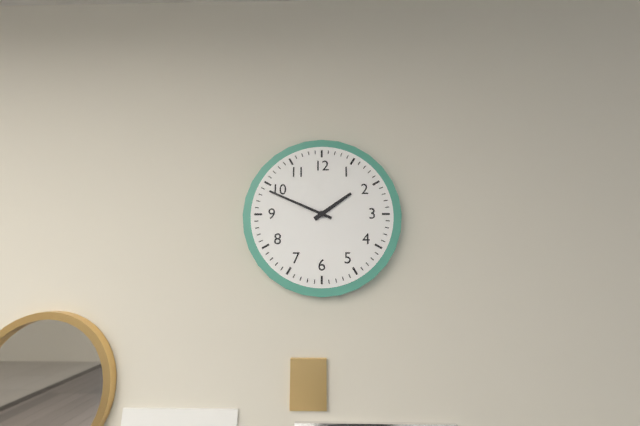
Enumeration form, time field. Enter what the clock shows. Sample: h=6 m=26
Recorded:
h=1 m=49
